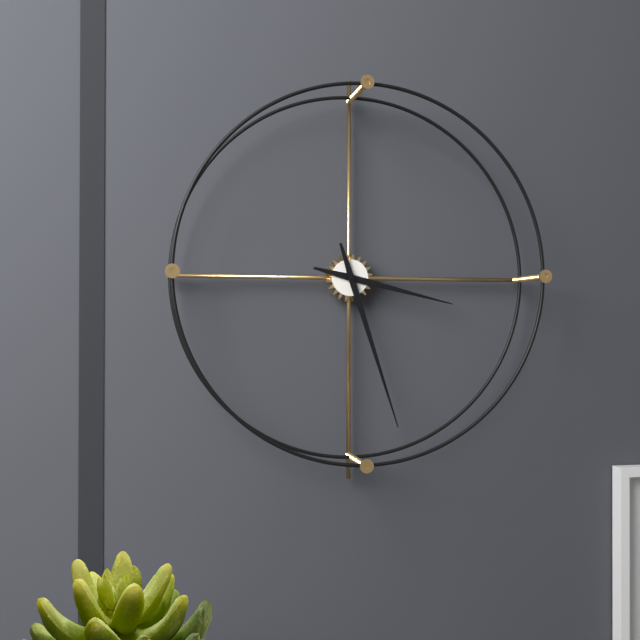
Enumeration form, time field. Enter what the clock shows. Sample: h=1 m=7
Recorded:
h=3 m=27
